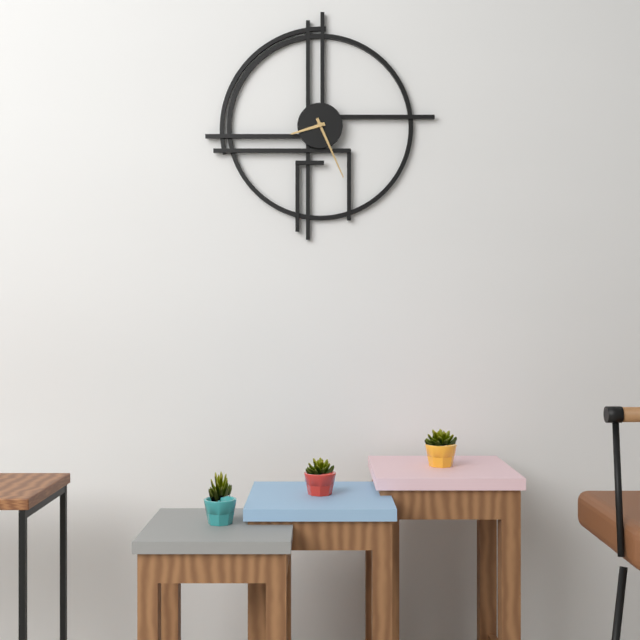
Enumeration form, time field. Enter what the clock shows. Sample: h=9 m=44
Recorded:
h=8 m=26
